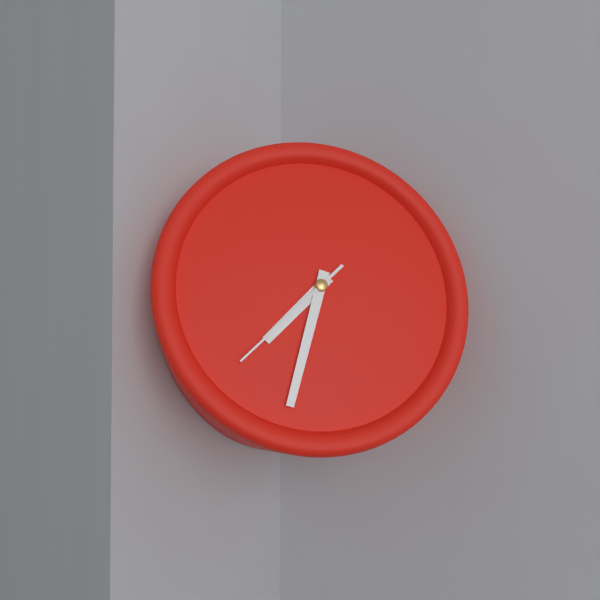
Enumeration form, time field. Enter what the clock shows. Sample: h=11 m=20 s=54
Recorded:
h=7 m=33 s=38
